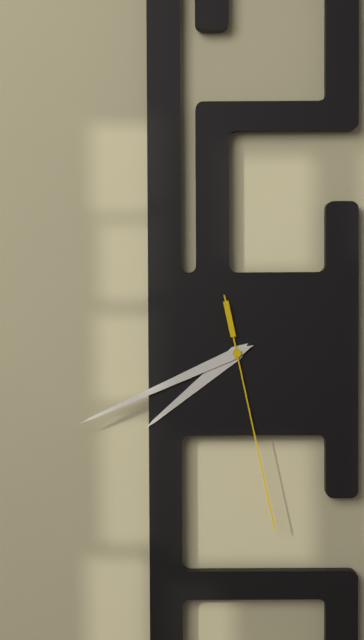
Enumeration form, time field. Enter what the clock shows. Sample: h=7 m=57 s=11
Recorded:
h=7 m=41 s=28
